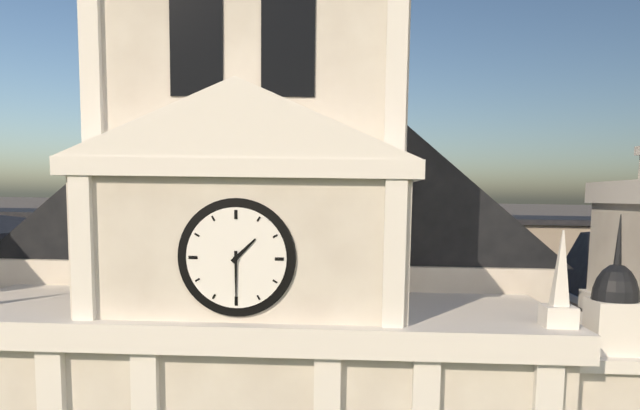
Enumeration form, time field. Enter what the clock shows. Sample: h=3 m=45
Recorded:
h=1 m=30
